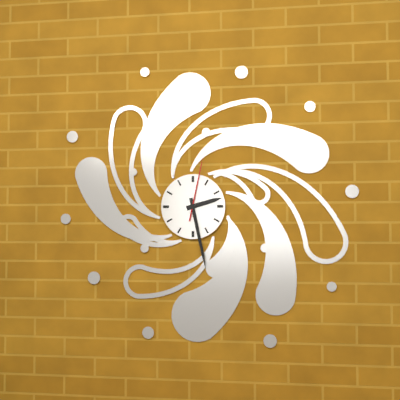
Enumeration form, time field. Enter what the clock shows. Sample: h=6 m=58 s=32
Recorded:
h=2 m=28 s=2
